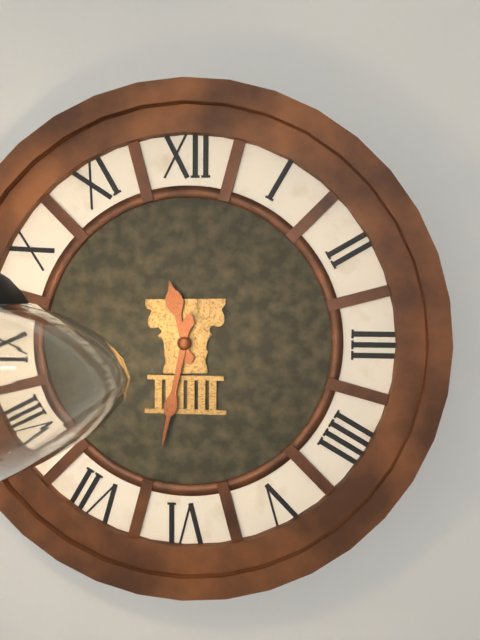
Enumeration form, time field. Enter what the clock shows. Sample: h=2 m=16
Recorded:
h=11 m=32
